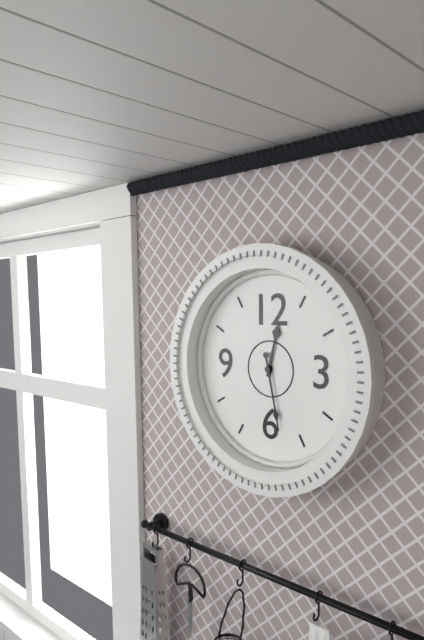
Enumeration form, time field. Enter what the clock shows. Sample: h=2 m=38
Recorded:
h=12 m=28
